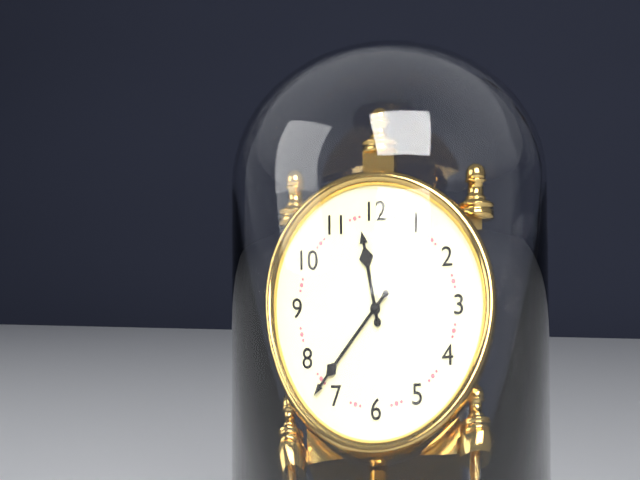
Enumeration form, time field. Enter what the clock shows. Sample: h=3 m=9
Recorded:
h=11 m=37
